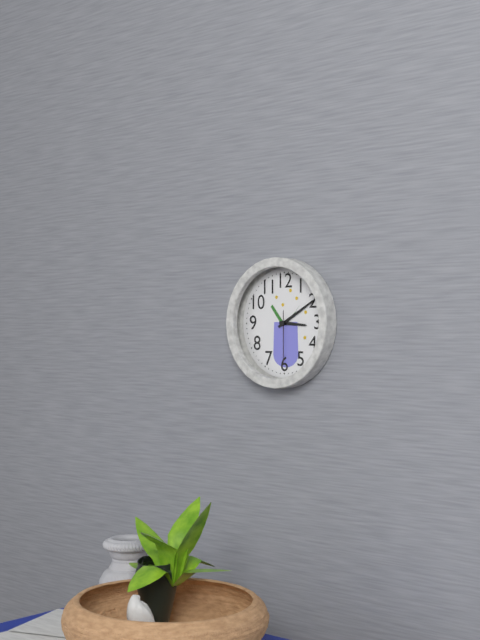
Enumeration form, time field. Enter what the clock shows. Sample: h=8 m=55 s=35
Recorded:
h=3 m=10 s=30
